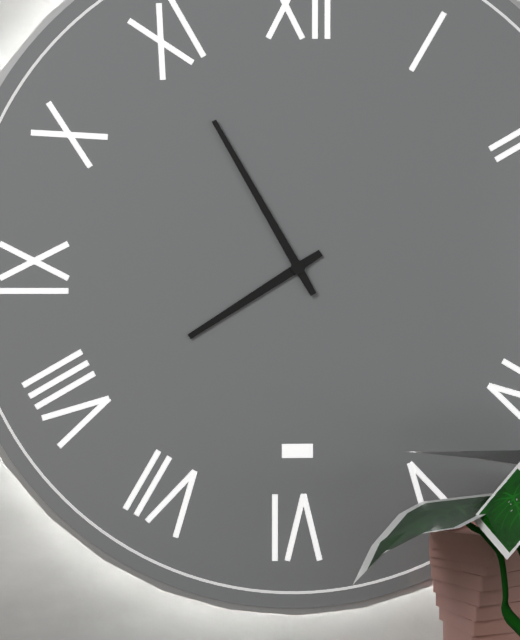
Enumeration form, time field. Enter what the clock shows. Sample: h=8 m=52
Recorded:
h=7 m=55
